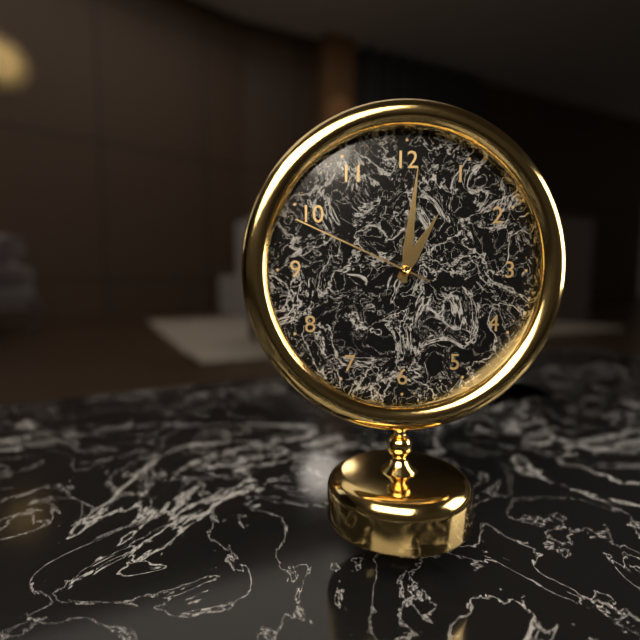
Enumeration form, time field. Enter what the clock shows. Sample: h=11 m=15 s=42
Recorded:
h=1 m=1 s=49
